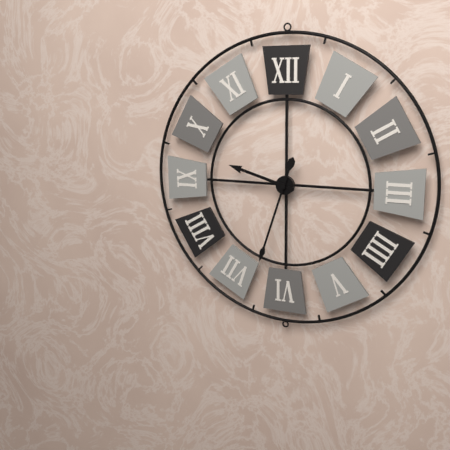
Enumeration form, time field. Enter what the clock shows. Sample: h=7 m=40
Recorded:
h=9 m=33
